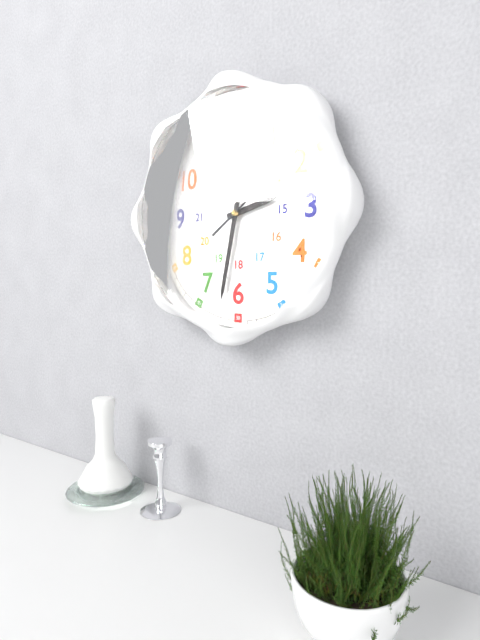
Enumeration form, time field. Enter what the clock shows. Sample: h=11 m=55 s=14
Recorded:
h=2 m=32 s=9
